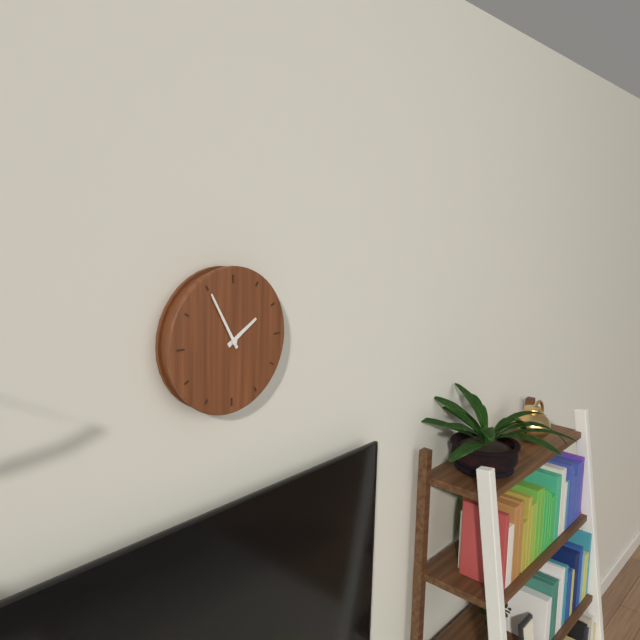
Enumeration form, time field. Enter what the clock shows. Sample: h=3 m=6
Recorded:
h=1 m=55
